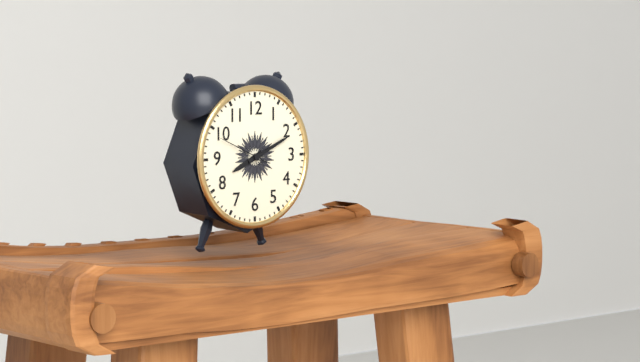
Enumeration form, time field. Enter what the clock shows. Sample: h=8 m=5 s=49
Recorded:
h=8 m=11 s=49
